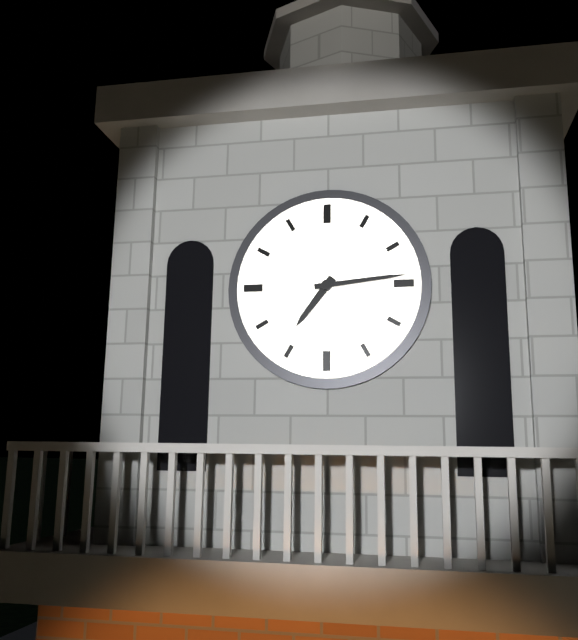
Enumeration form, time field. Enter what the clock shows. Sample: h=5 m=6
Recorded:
h=7 m=14
